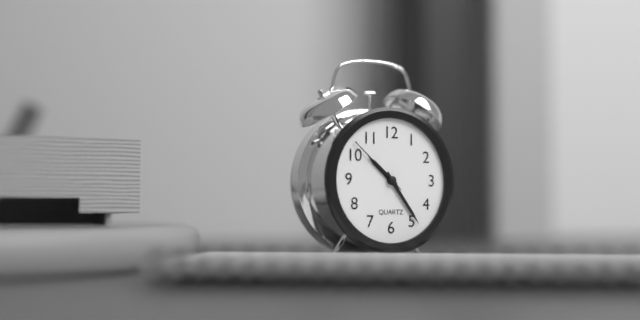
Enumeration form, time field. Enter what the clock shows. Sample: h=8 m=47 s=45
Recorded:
h=10 m=24 s=52
